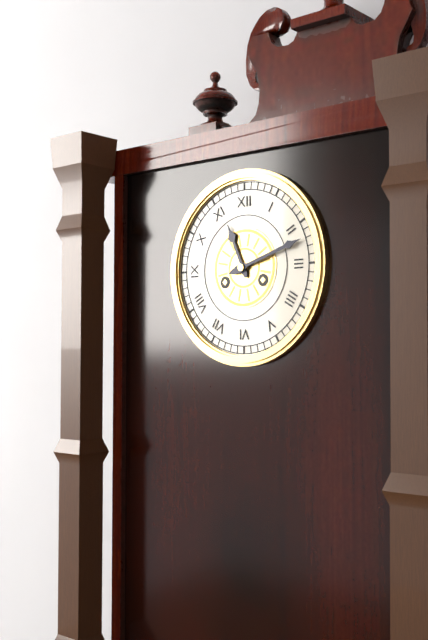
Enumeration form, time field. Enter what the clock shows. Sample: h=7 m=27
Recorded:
h=11 m=12
